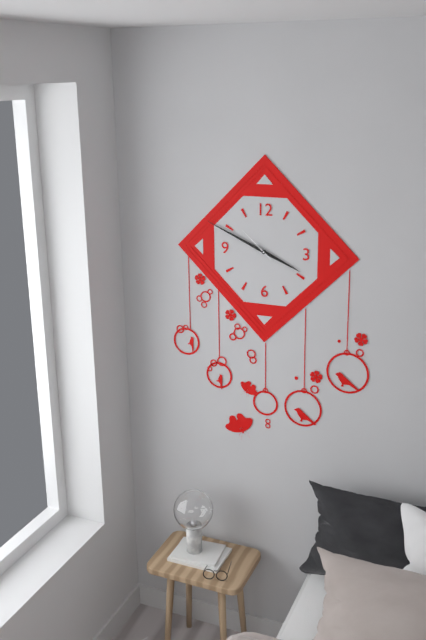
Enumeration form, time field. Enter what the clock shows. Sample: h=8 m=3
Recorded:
h=3 m=49
